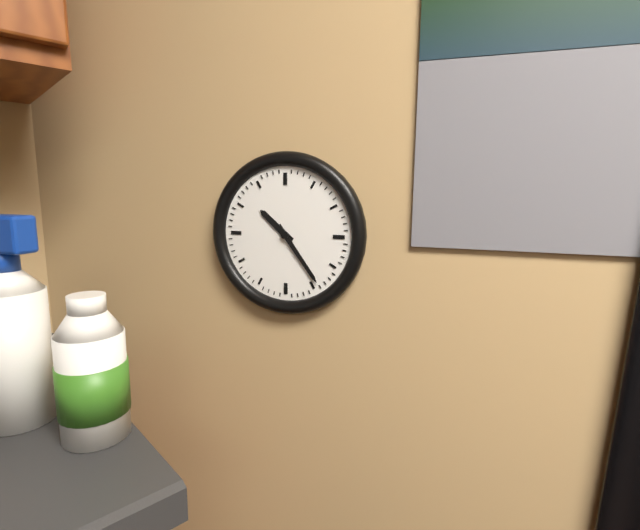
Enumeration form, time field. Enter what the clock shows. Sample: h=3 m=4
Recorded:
h=10 m=24
